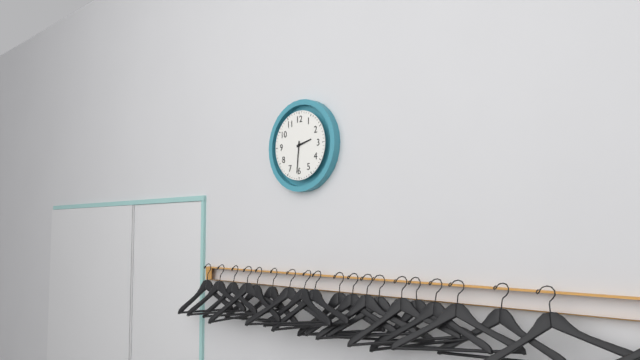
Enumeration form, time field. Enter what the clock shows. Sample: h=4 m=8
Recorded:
h=2 m=31
